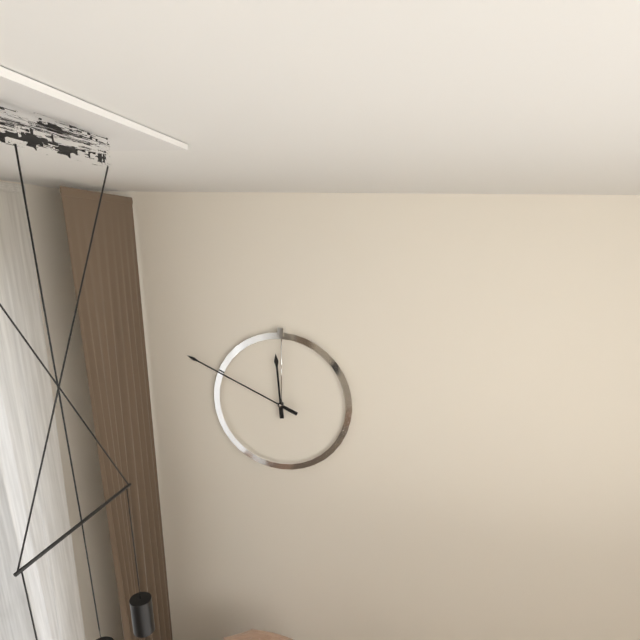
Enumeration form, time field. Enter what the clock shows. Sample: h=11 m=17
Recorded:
h=11 m=49
